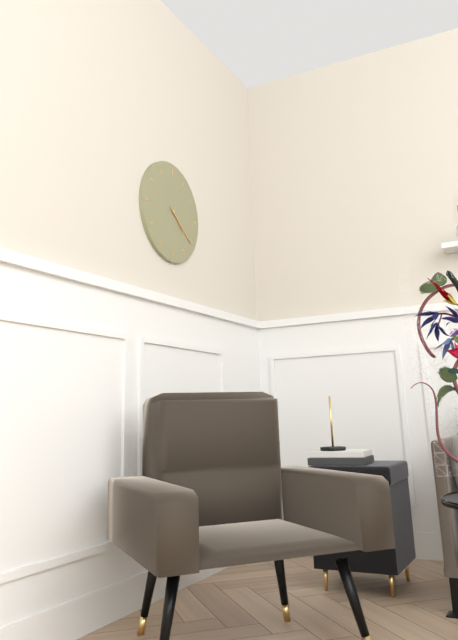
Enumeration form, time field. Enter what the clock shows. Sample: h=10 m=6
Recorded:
h=4 m=21
